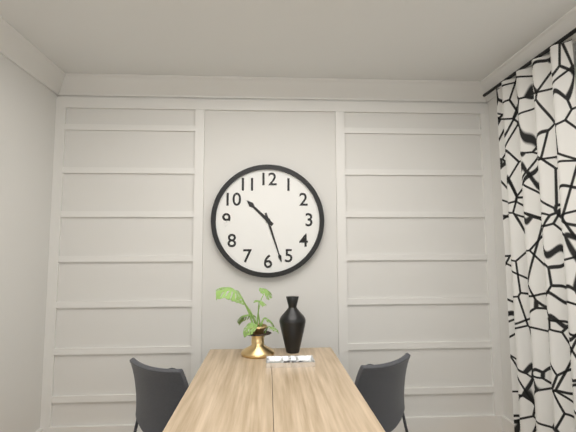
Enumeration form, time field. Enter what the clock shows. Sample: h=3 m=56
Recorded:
h=10 m=27
